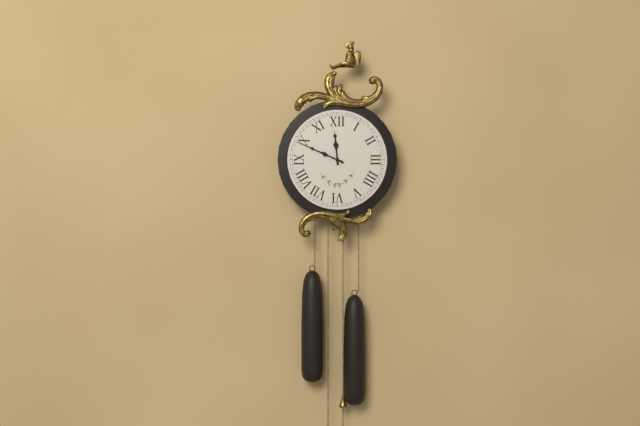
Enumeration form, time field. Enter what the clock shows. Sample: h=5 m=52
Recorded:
h=11 m=49
